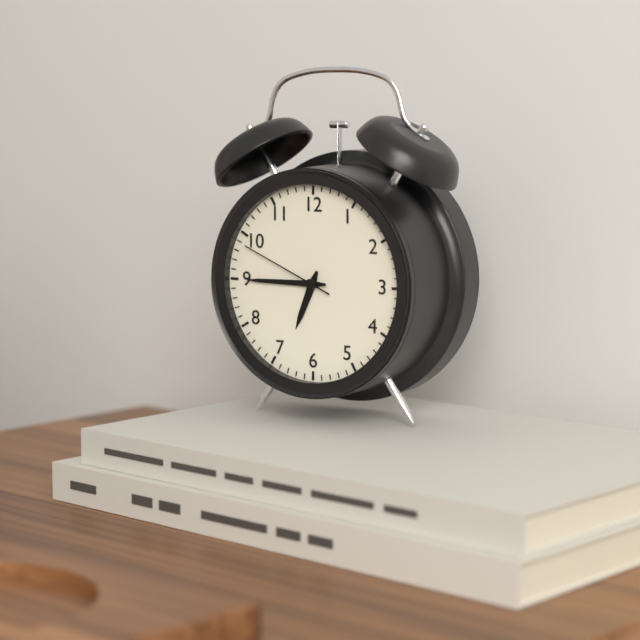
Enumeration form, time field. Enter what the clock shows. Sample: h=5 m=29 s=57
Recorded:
h=6 m=45 s=49
